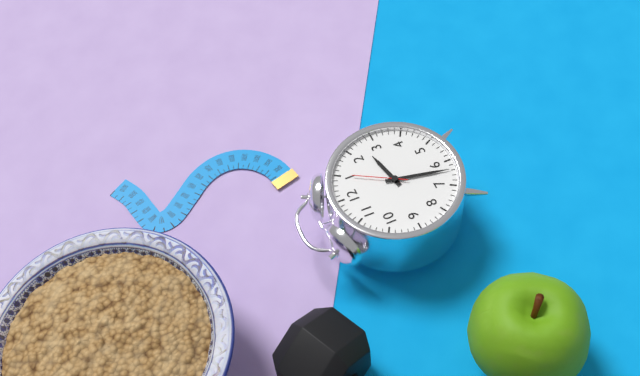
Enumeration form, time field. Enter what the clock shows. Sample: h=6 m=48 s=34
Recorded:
h=2 m=32 s=5
